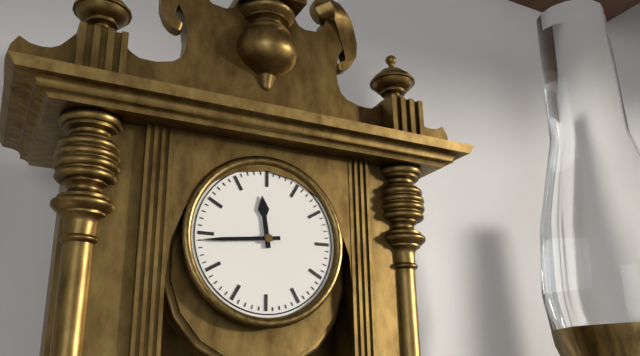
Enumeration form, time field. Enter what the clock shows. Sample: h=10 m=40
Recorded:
h=11 m=44
